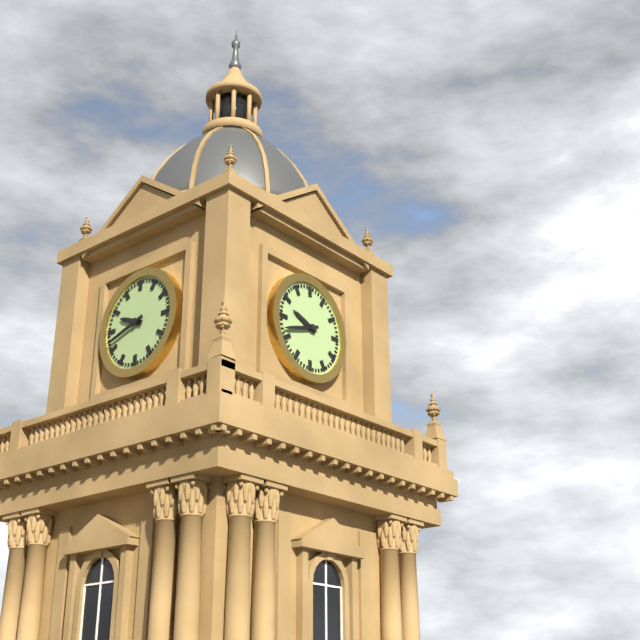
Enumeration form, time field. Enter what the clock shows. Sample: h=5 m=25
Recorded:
h=9 m=42
